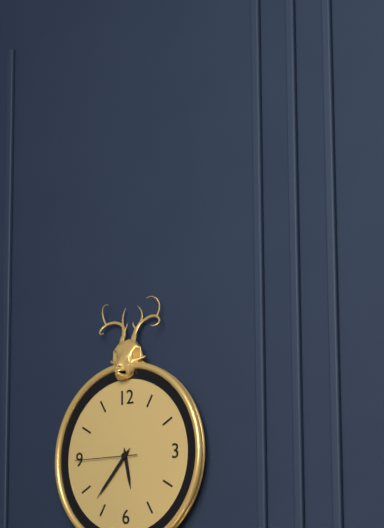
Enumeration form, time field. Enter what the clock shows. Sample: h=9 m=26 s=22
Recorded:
h=5 m=37 s=45
